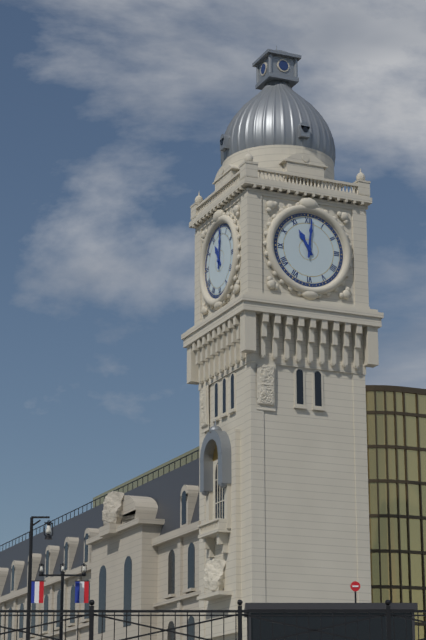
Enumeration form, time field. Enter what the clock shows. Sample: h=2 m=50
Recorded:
h=11 m=1
